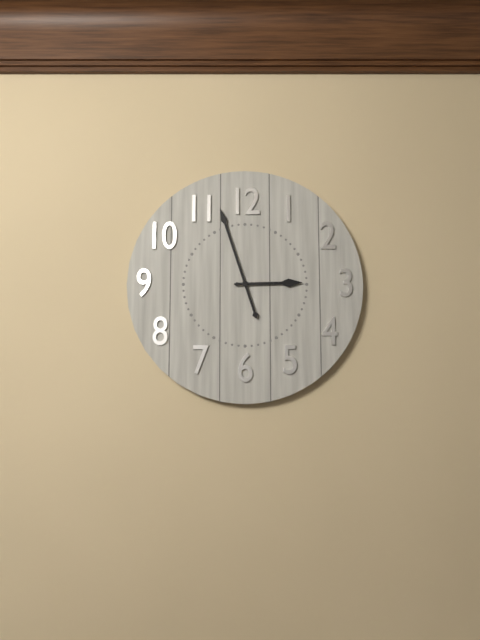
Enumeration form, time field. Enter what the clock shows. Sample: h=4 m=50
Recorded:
h=2 m=57
